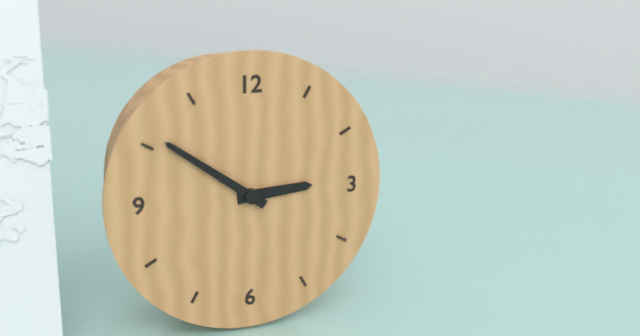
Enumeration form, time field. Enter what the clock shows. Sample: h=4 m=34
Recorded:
h=2 m=51
